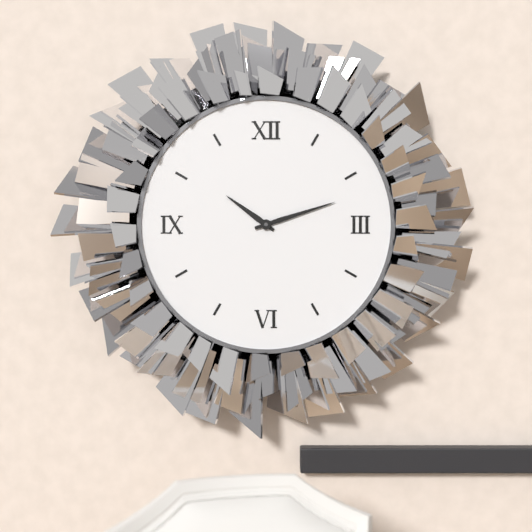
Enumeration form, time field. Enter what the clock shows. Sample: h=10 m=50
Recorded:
h=10 m=12
